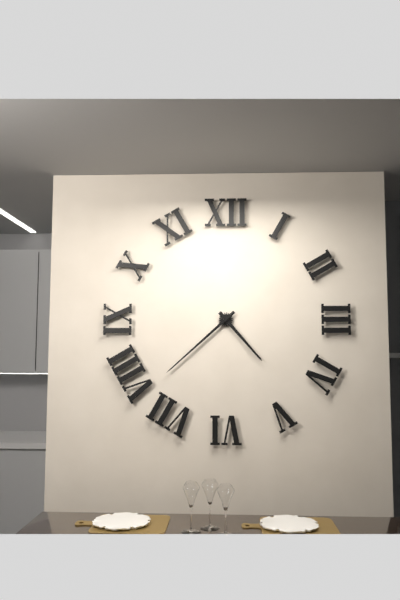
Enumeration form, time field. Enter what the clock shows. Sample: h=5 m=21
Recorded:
h=4 m=38
